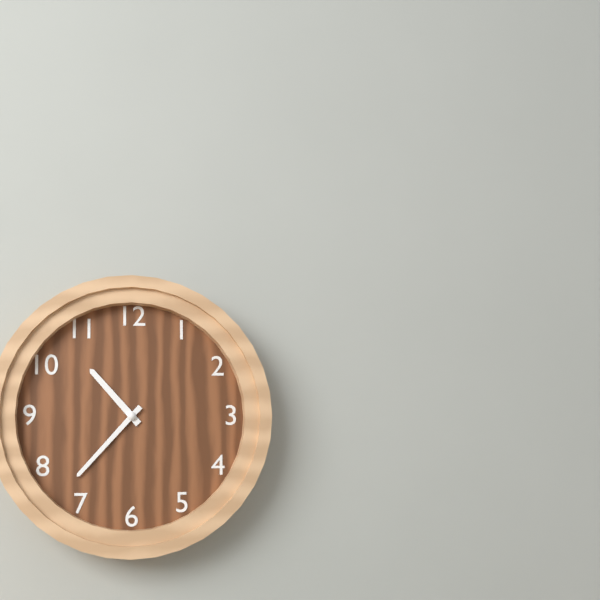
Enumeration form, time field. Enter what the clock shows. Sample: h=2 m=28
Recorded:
h=10 m=37
